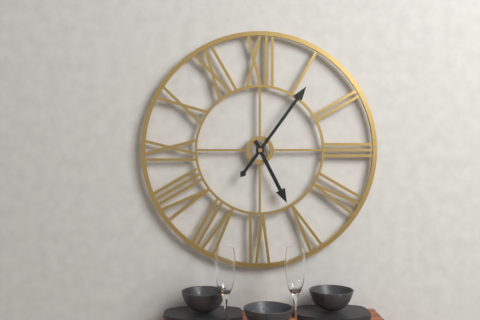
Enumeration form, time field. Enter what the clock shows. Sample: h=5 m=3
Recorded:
h=5 m=6
